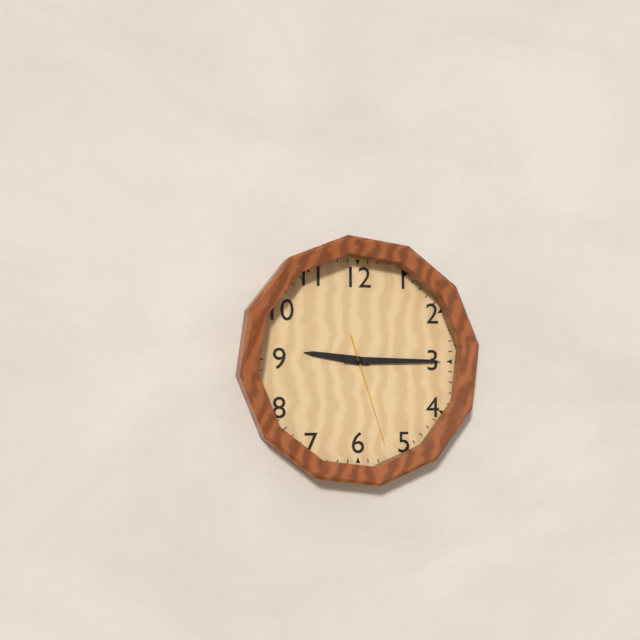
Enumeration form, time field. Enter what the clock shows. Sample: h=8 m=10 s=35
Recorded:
h=9 m=15 s=27
